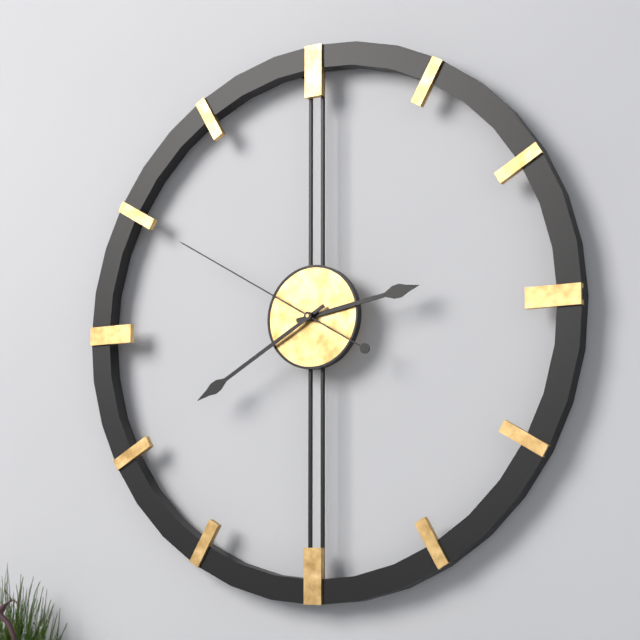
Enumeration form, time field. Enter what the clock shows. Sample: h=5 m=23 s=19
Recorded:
h=2 m=40 s=50
